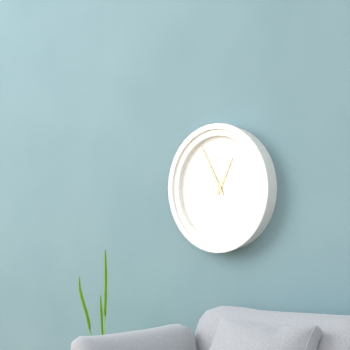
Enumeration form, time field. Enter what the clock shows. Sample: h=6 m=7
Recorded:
h=12 m=55
